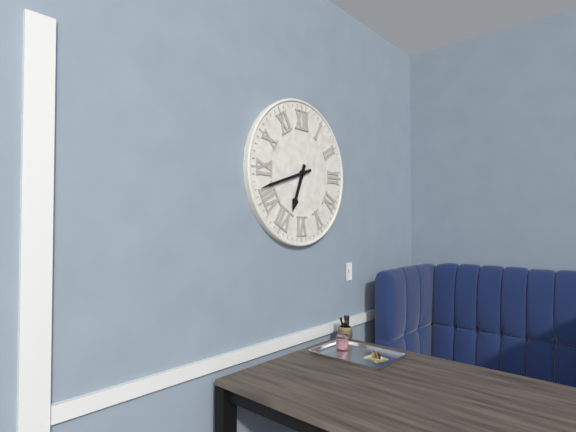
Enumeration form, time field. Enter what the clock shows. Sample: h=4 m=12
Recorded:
h=6 m=42
